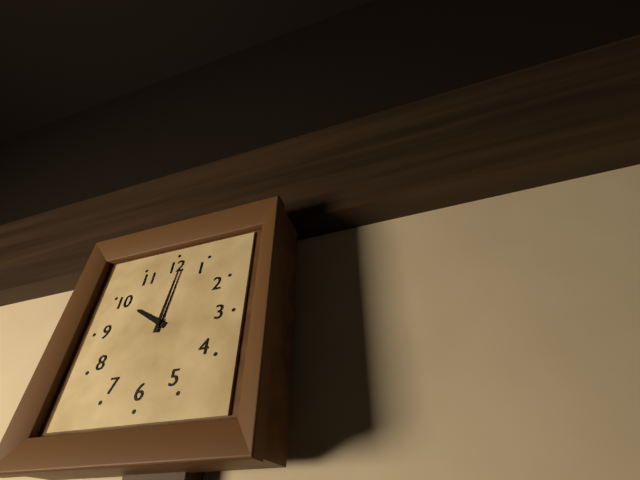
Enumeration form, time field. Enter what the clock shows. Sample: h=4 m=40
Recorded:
h=10 m=1
